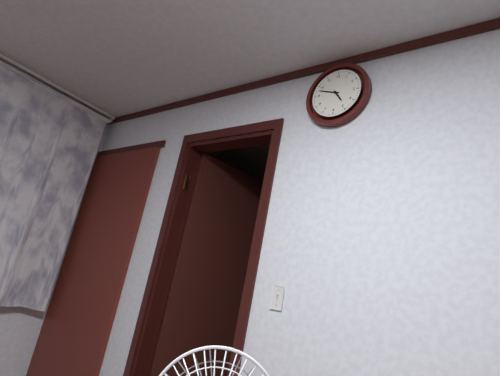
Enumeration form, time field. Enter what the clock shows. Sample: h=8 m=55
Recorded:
h=4 m=48
